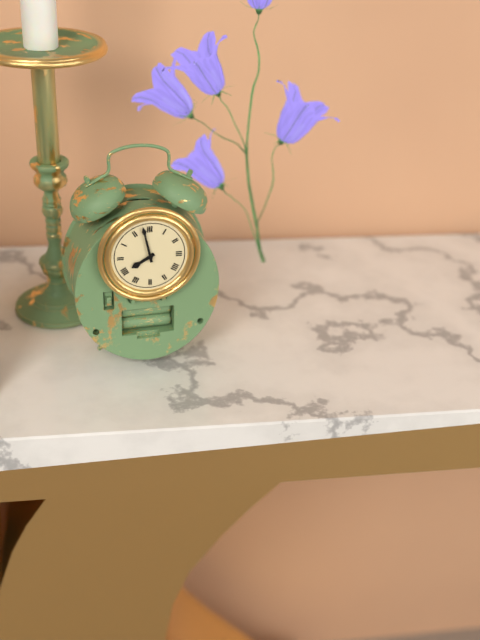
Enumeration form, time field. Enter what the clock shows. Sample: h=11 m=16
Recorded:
h=7 m=58
